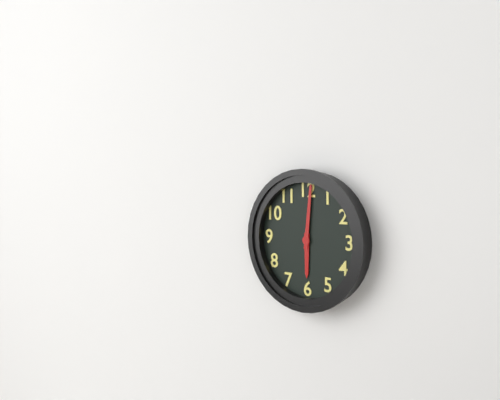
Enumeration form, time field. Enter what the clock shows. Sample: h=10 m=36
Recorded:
h=6 m=1
